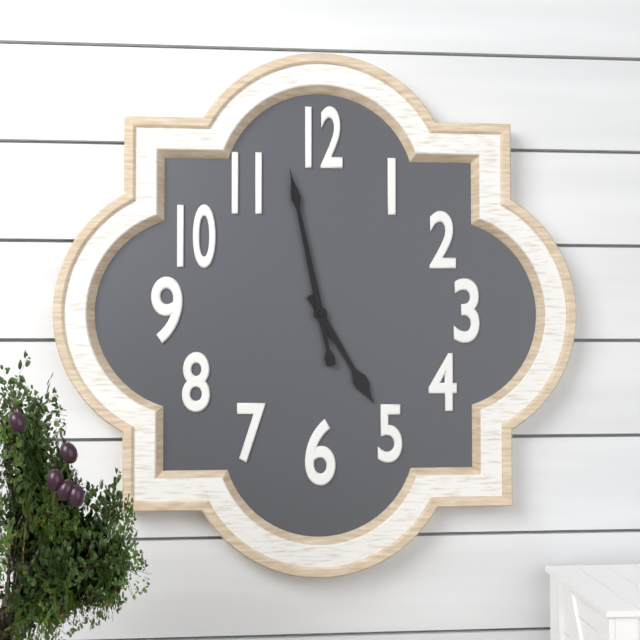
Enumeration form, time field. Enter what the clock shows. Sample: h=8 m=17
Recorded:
h=4 m=58
